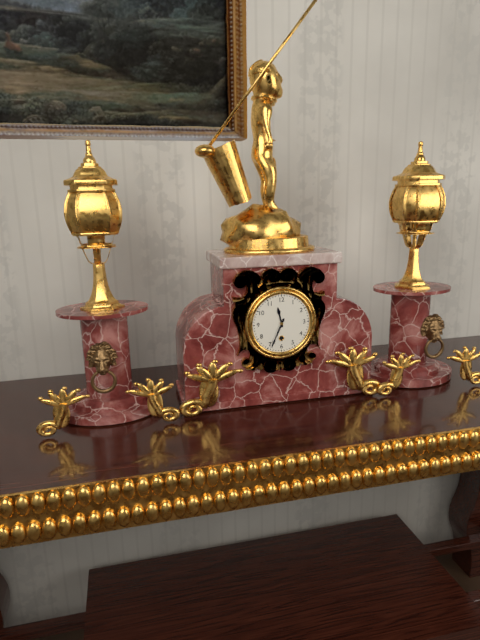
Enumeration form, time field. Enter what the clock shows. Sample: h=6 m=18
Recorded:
h=11 m=34
